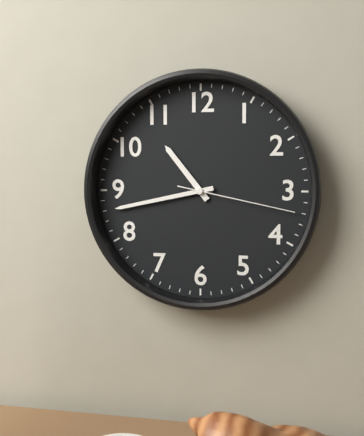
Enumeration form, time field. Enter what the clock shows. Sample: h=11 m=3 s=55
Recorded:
h=10 m=43 s=17
